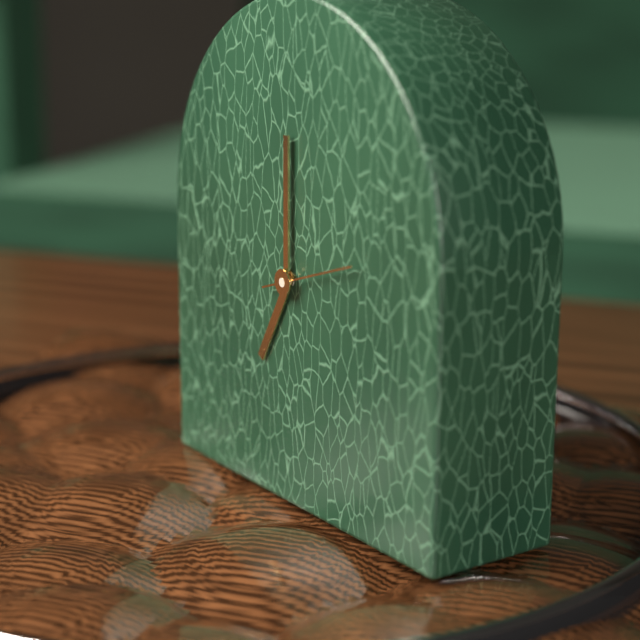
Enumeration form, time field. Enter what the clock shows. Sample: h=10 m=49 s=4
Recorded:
h=7 m=0 s=12
